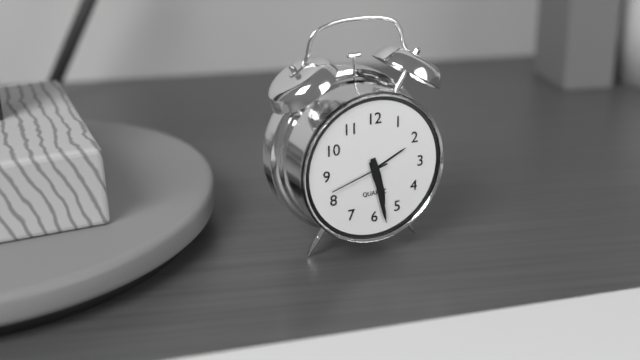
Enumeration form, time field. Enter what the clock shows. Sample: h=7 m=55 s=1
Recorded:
h=5 m=28 s=42
